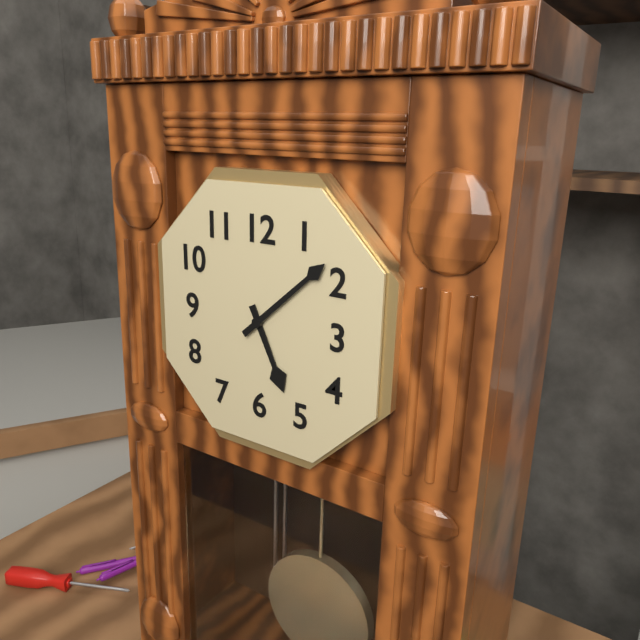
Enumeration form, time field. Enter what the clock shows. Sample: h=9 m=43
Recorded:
h=5 m=8
